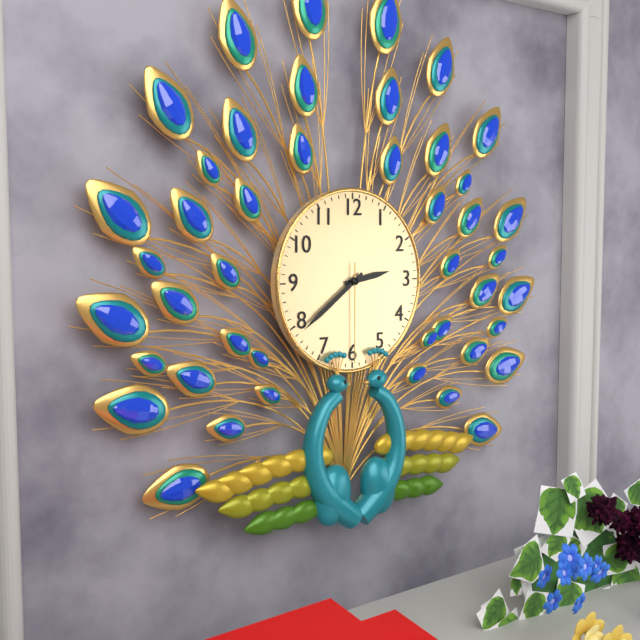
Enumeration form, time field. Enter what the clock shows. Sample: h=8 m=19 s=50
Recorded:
h=2 m=39 s=30
